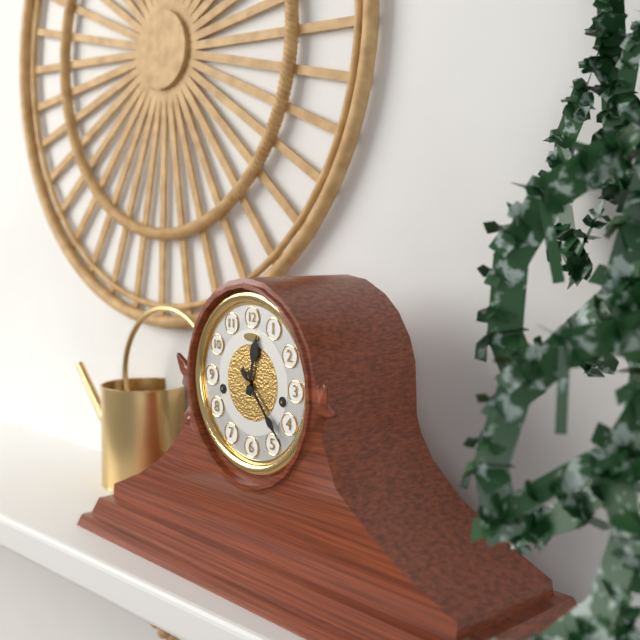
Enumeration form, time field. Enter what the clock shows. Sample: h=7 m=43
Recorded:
h=12 m=23
